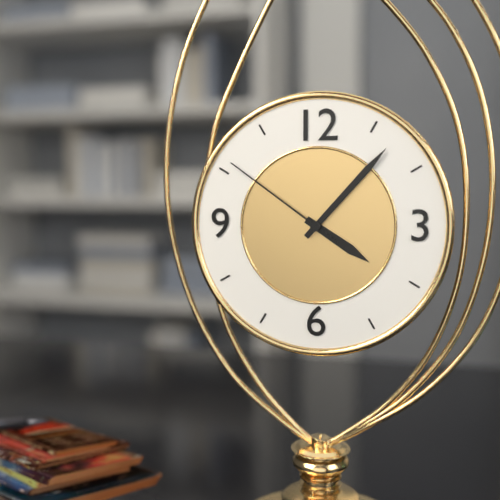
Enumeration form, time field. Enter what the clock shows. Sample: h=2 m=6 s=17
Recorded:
h=4 m=7 s=51
